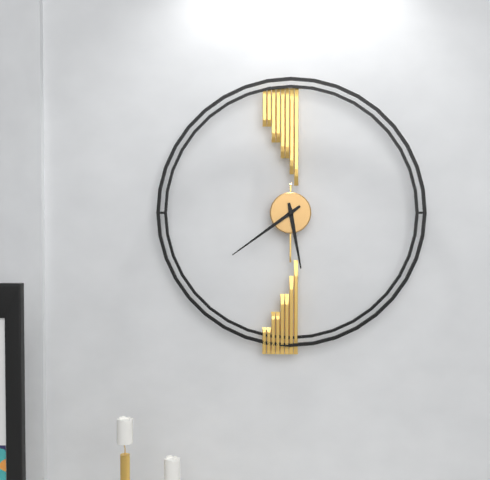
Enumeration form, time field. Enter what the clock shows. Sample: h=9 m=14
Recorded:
h=5 m=39
